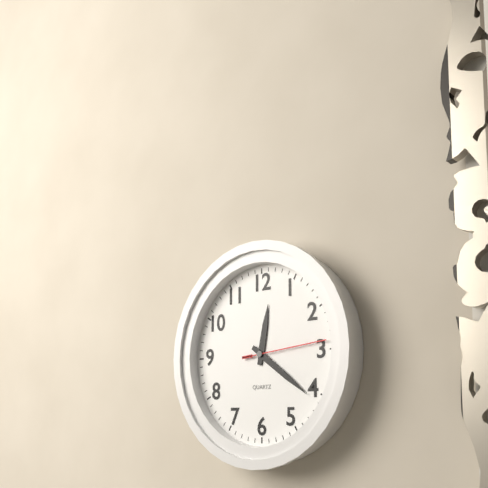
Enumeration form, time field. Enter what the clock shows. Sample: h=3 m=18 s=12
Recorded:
h=12 m=21 s=14
